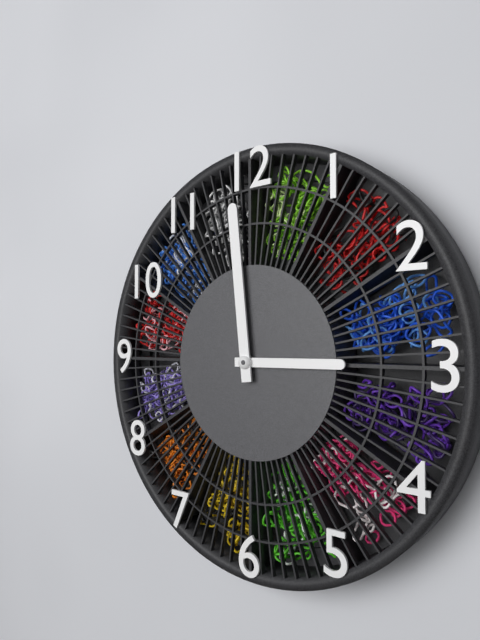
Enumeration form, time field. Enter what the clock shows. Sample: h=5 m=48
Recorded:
h=2 m=59
